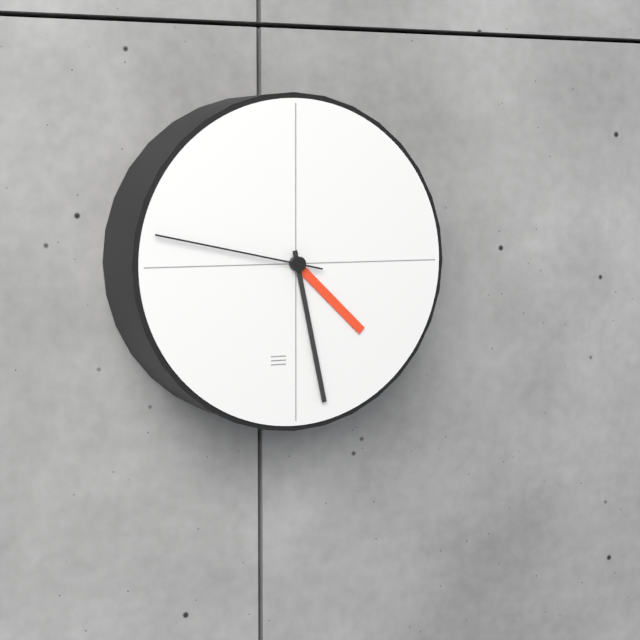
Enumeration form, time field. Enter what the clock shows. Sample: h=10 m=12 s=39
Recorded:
h=4 m=28 s=47
